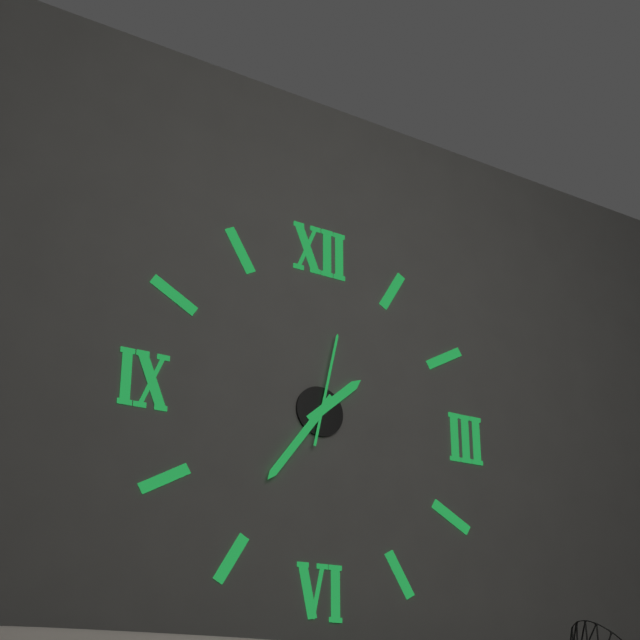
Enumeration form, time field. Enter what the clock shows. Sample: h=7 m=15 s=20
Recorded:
h=1 m=36 s=2
